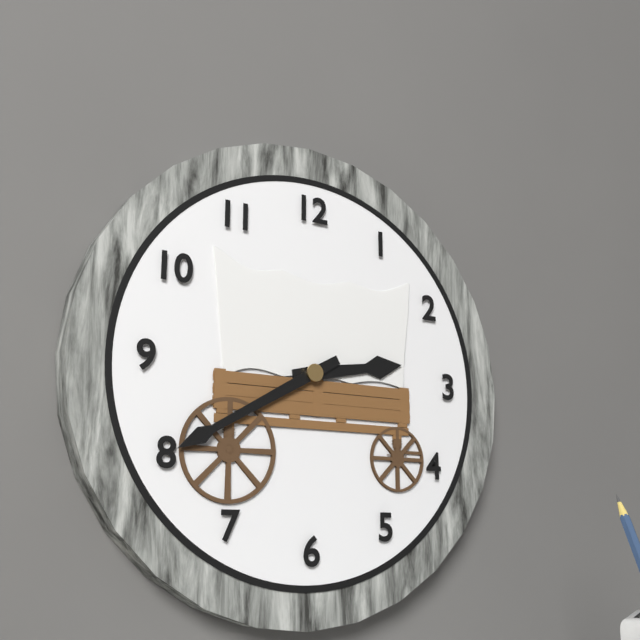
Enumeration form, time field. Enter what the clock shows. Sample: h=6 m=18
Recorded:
h=2 m=40
